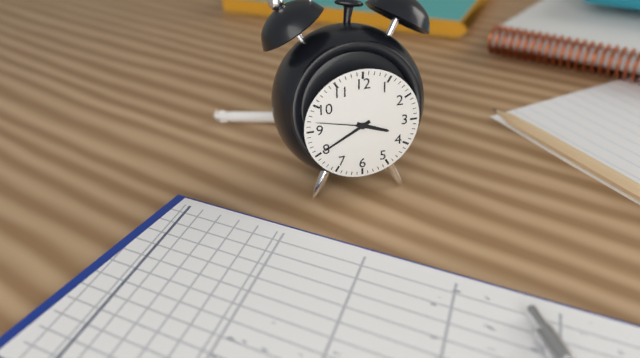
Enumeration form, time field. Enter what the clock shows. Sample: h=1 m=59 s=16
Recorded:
h=3 m=40 s=47
